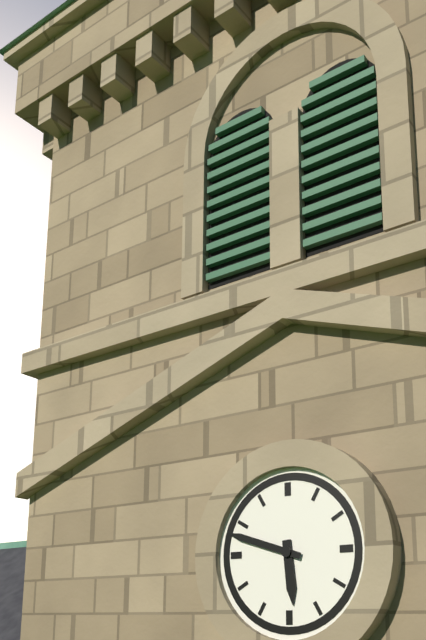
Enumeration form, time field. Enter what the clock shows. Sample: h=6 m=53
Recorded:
h=5 m=48
